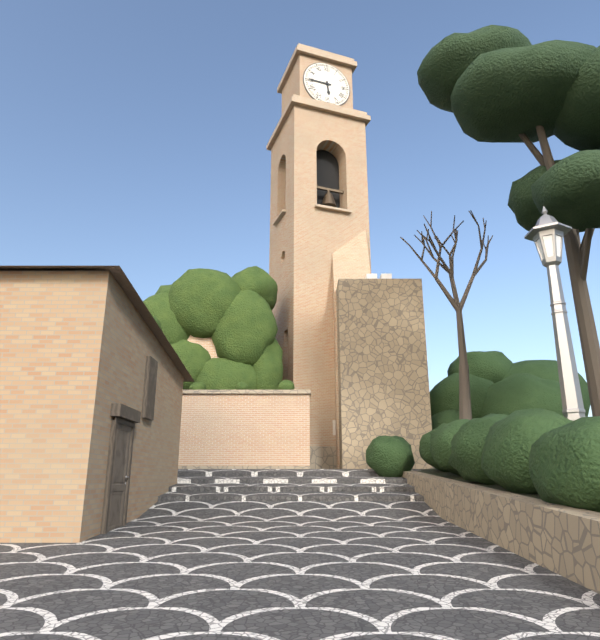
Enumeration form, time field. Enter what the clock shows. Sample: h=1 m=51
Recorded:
h=5 m=45
